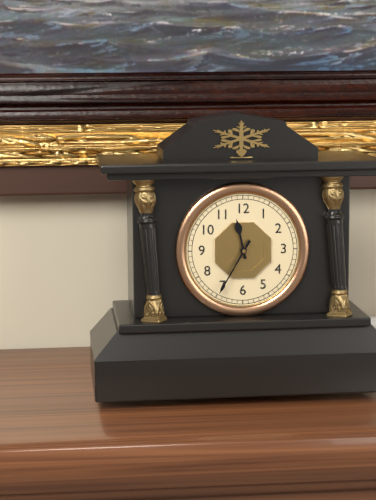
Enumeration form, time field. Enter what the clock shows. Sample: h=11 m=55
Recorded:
h=11 m=35
